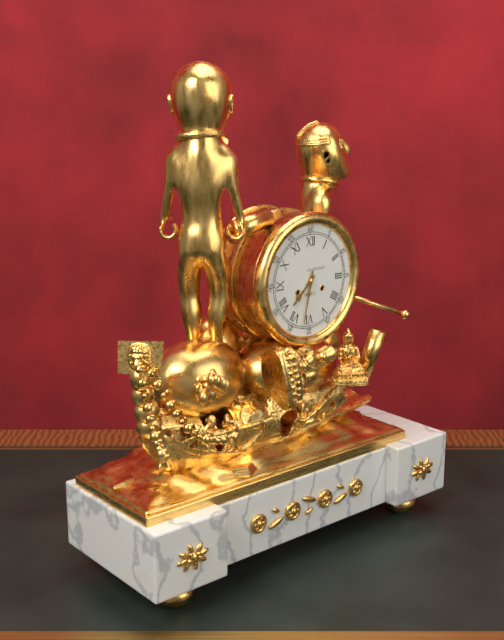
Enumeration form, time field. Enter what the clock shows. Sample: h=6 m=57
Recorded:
h=7 m=32
